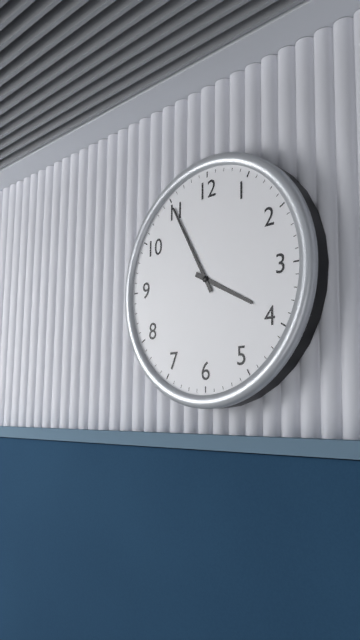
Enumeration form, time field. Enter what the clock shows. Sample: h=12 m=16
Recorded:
h=3 m=55
